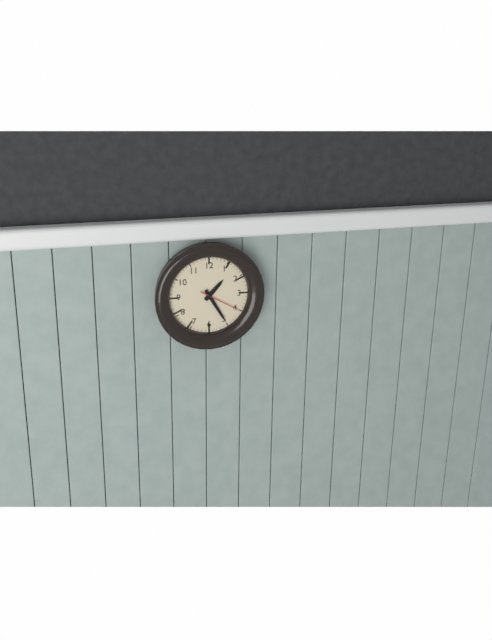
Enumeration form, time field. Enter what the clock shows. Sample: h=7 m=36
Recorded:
h=1 m=25
